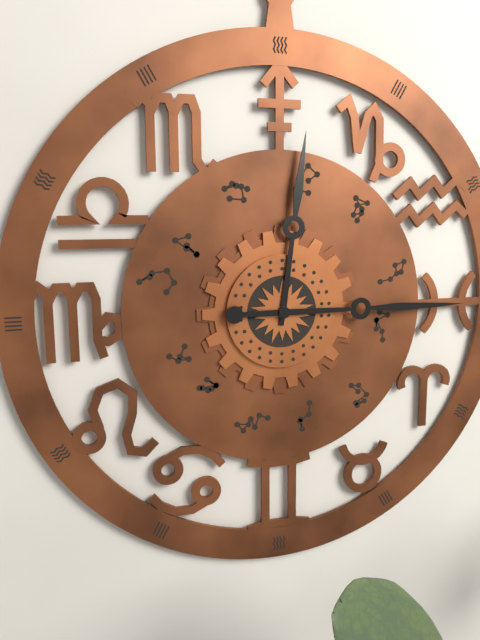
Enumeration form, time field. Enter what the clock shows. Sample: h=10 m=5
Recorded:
h=12 m=15
